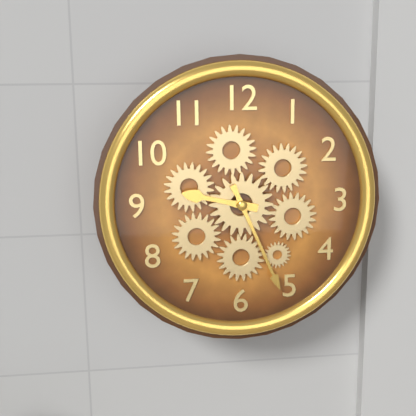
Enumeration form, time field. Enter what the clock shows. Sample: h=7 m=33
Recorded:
h=9 m=26
